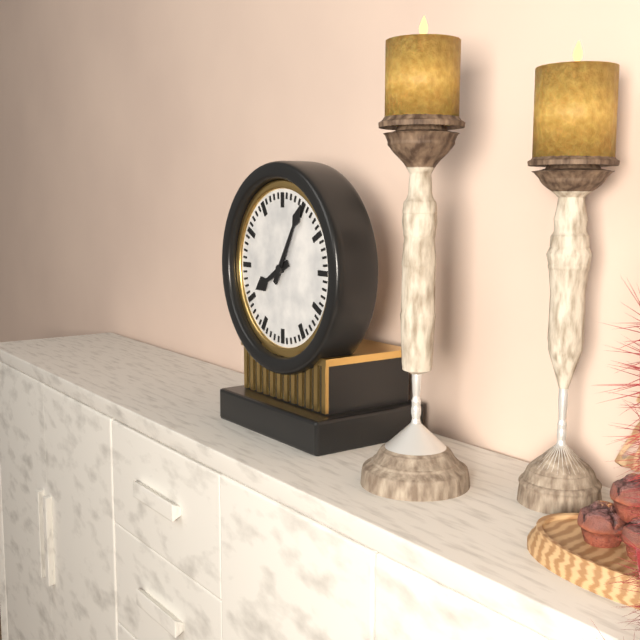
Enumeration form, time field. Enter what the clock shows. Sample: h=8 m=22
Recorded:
h=8 m=5
